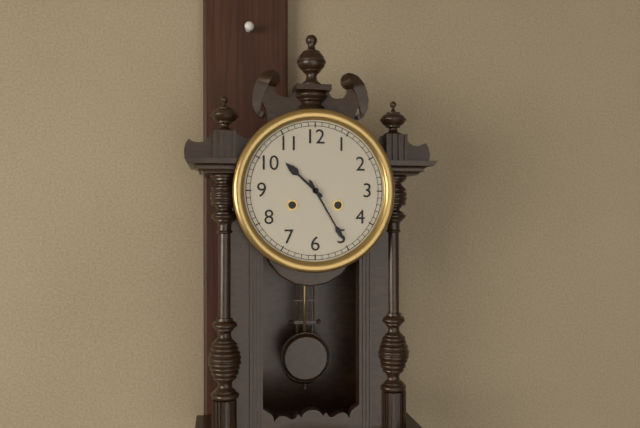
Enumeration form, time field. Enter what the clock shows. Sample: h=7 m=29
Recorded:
h=10 m=25
